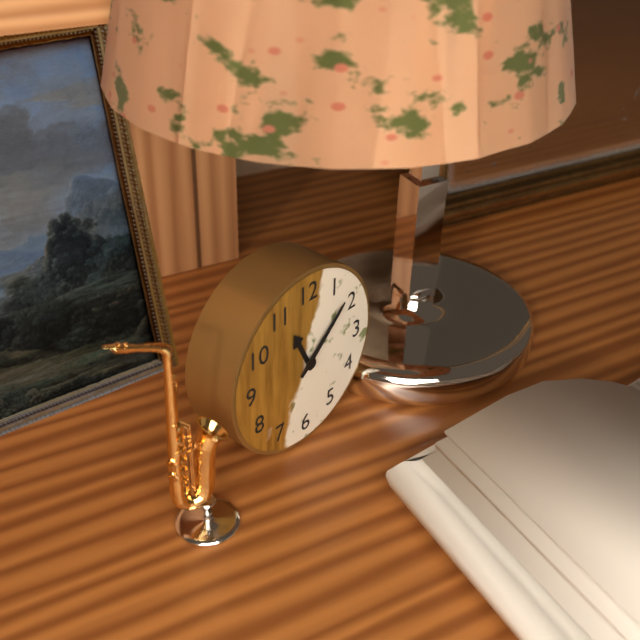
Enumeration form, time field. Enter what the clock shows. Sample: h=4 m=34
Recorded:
h=11 m=8
